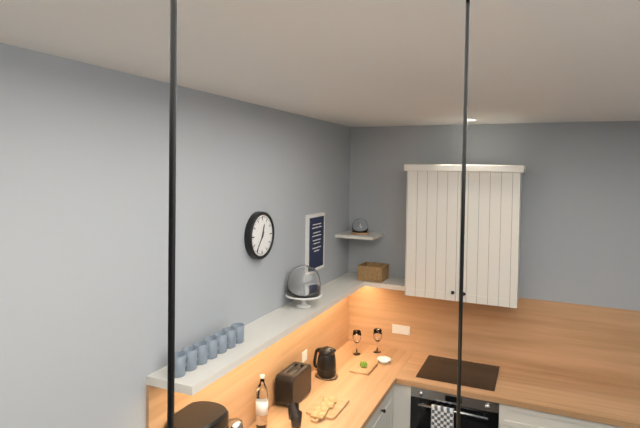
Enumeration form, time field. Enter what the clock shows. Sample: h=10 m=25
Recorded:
h=12 m=36
